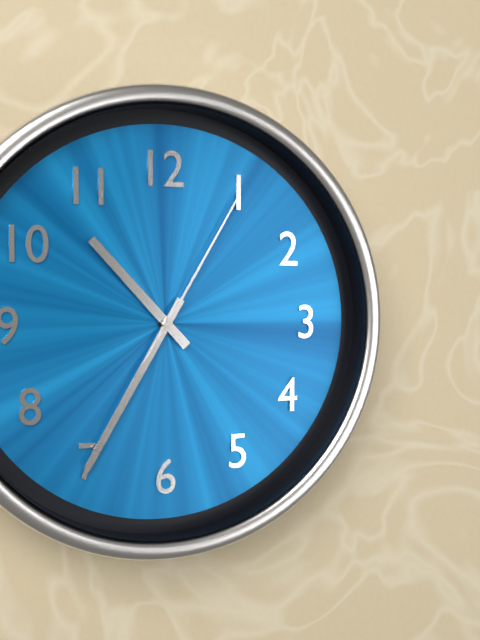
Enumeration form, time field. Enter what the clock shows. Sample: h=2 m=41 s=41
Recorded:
h=10 m=35 s=5
